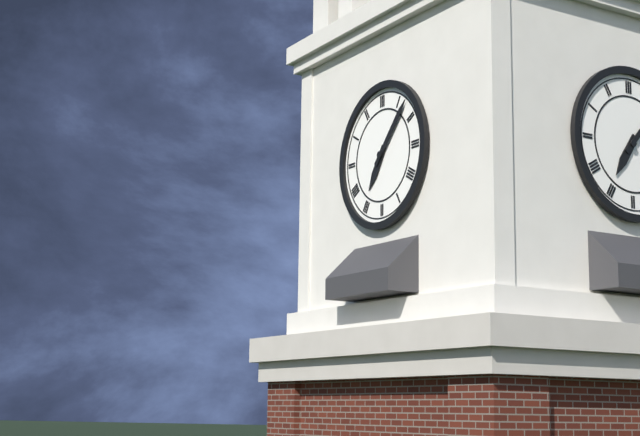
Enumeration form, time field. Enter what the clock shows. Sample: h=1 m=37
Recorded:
h=7 m=7
